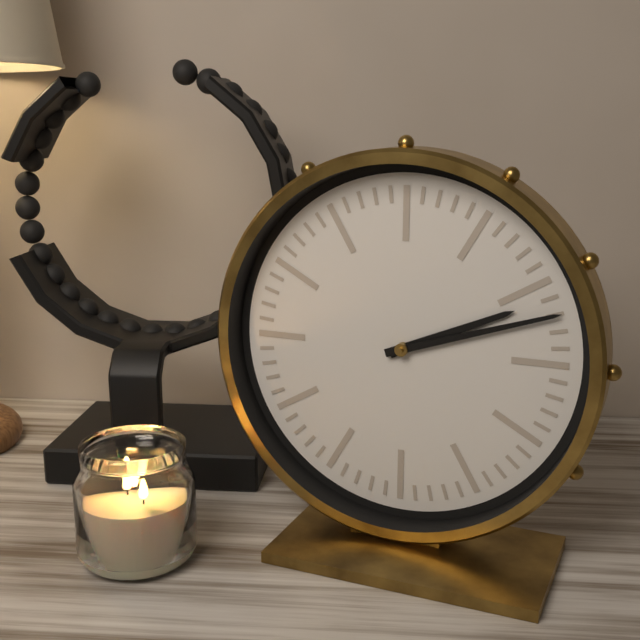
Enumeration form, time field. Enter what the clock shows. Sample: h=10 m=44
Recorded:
h=2 m=12
